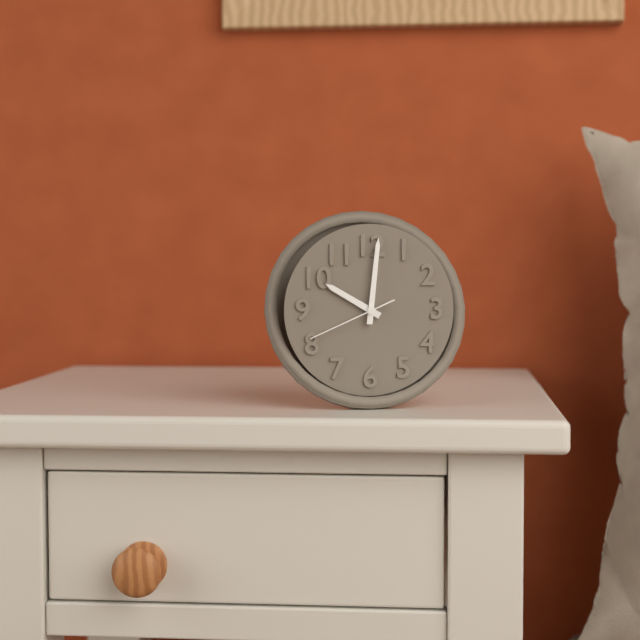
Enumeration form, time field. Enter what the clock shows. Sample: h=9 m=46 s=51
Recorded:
h=10 m=1 s=41
